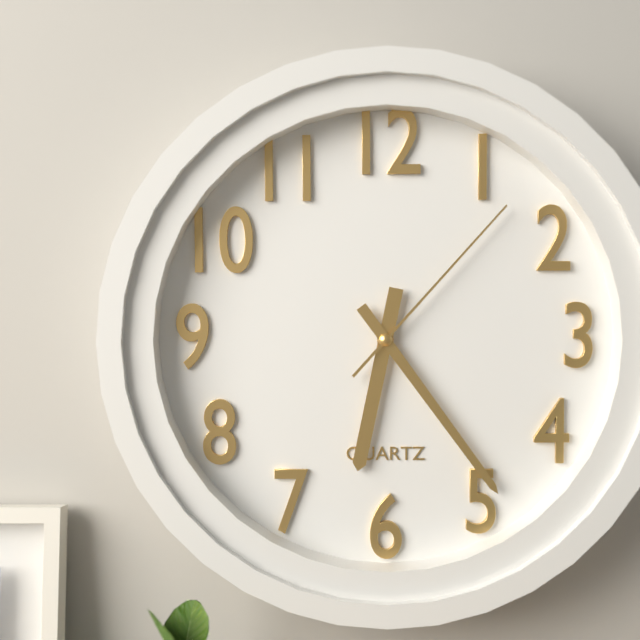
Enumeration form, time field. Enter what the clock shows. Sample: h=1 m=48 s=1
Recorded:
h=6 m=24 s=7
